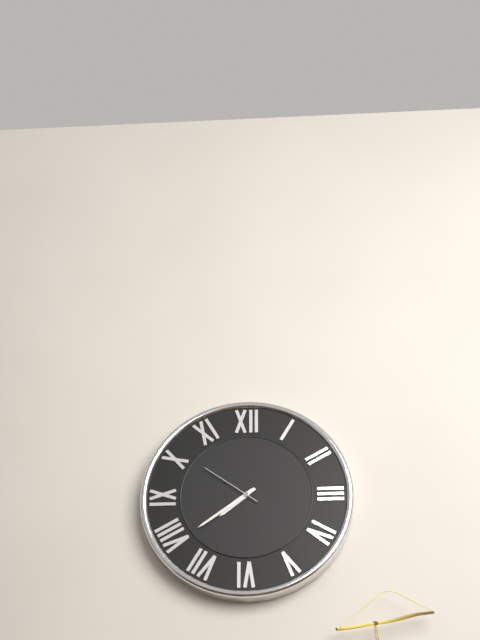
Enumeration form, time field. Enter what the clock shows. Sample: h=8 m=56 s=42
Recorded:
h=7 m=39 s=51
